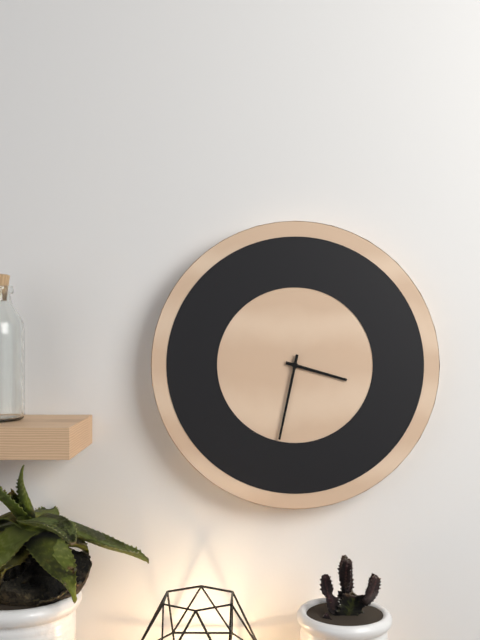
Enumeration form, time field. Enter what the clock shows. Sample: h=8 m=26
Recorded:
h=3 m=32
